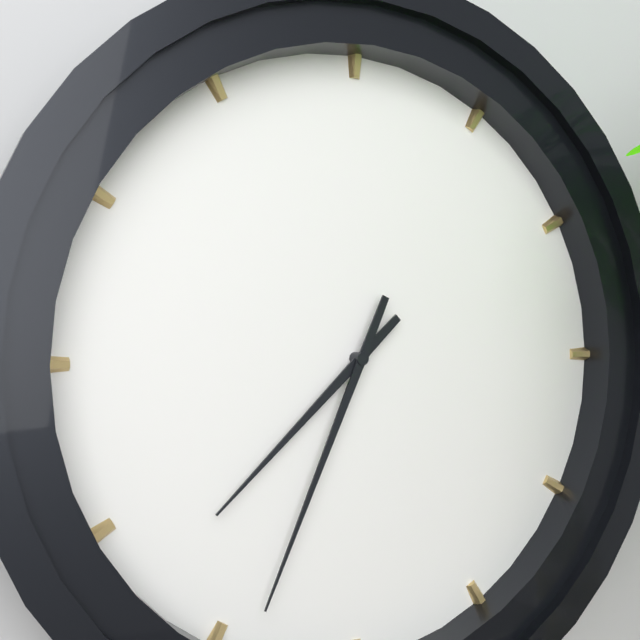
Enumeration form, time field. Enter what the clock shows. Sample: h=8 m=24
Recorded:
h=7 m=34
